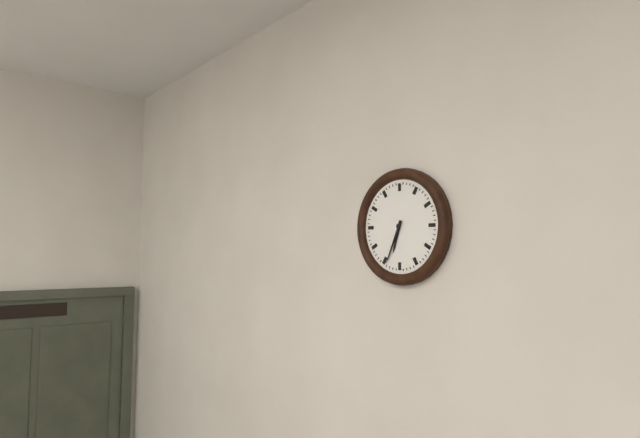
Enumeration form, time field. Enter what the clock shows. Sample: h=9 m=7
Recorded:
h=6 m=34
